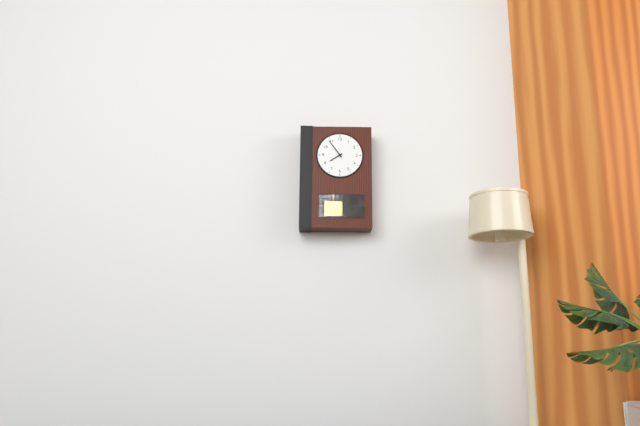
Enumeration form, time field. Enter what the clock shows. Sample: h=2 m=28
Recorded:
h=7 m=54
